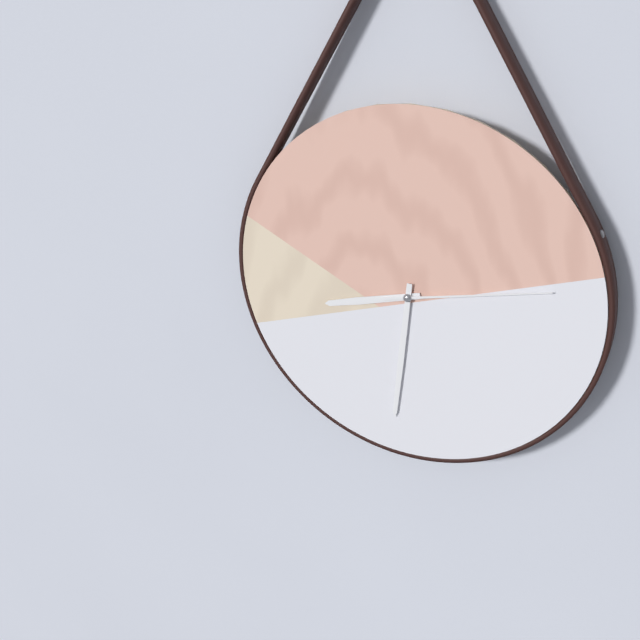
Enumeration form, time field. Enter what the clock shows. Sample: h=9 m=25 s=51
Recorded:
h=8 m=31 s=13
